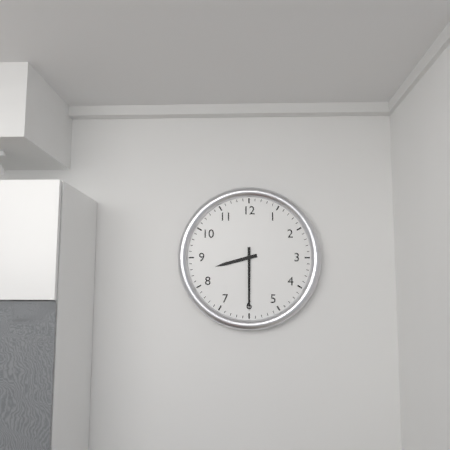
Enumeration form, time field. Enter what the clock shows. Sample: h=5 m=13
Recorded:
h=8 m=30
